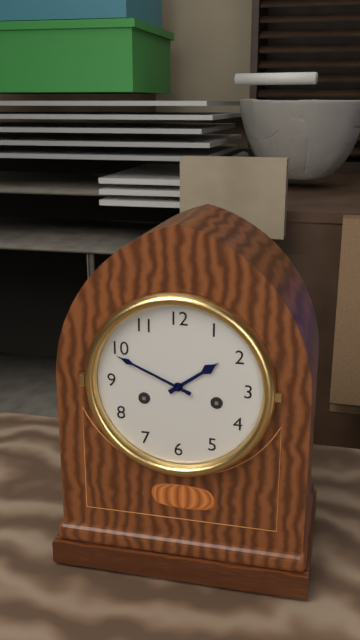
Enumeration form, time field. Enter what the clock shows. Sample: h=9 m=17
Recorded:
h=1 m=49
